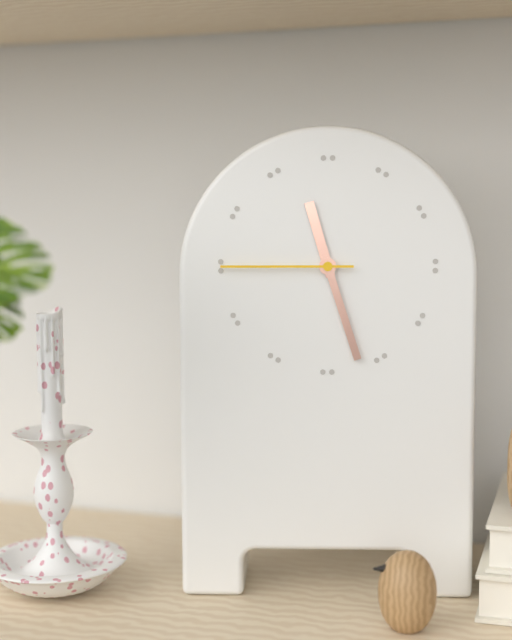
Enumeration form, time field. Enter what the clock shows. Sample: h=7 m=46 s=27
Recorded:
h=11 m=27 s=45
